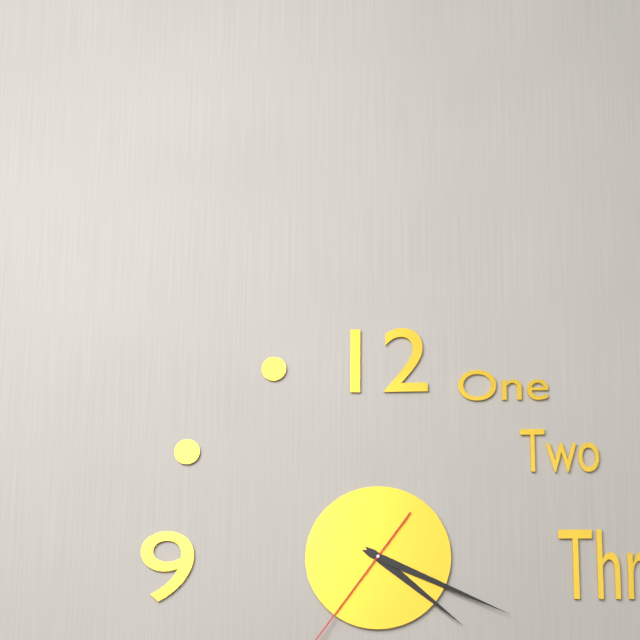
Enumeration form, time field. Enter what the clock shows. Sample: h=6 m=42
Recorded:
h=4 m=19
